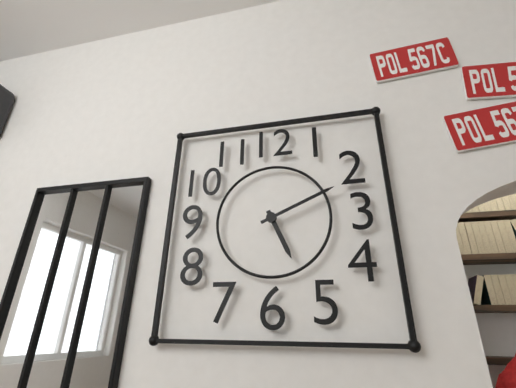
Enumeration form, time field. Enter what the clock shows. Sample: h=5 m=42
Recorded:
h=5 m=11
